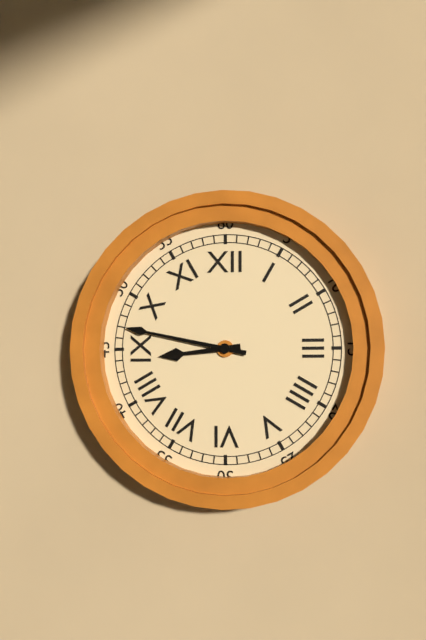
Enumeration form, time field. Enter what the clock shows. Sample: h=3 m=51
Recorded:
h=8 m=47
